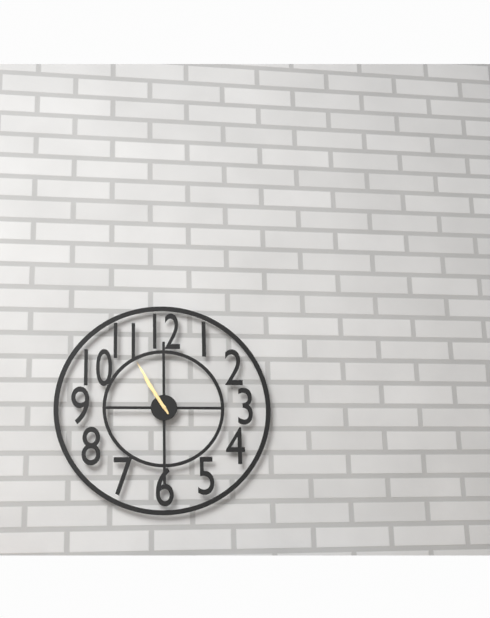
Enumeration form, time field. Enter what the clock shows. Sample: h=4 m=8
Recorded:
h=10 m=55
